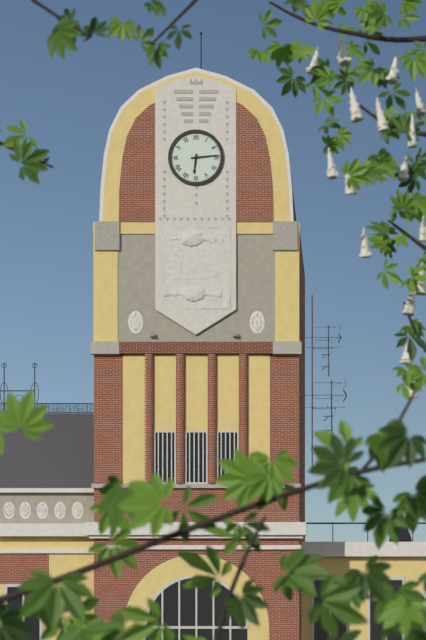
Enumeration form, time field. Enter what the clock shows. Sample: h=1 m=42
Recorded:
h=6 m=14
